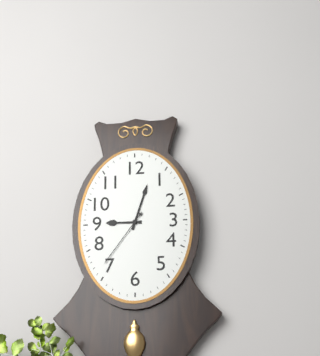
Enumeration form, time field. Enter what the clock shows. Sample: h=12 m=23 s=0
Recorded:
h=9 m=3 s=36
